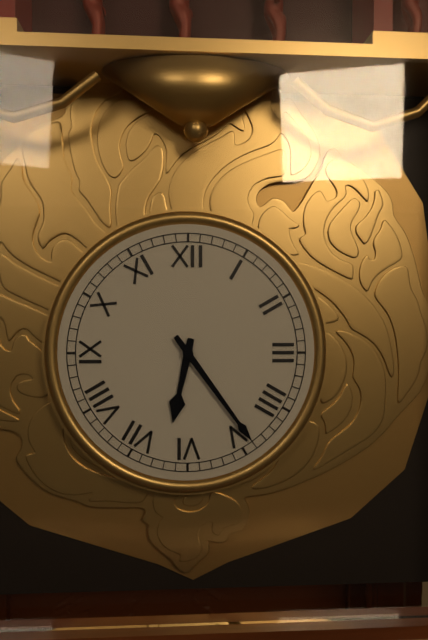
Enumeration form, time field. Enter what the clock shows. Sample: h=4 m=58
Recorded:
h=6 m=24
